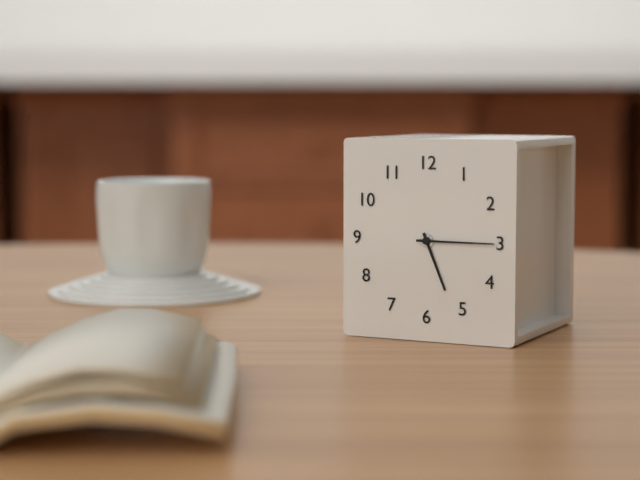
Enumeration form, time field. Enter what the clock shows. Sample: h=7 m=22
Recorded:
h=5 m=15
